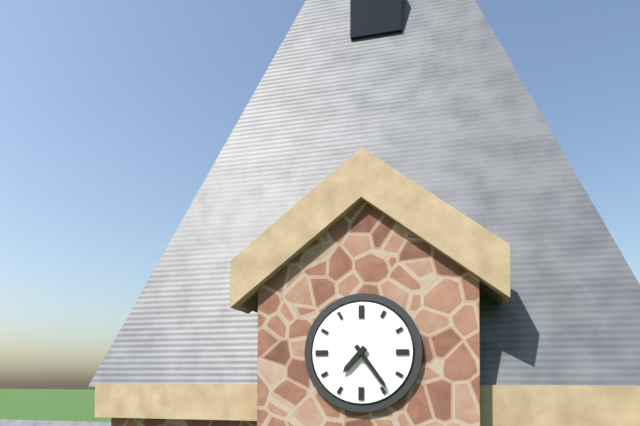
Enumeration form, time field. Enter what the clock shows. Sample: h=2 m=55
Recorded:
h=7 m=24
